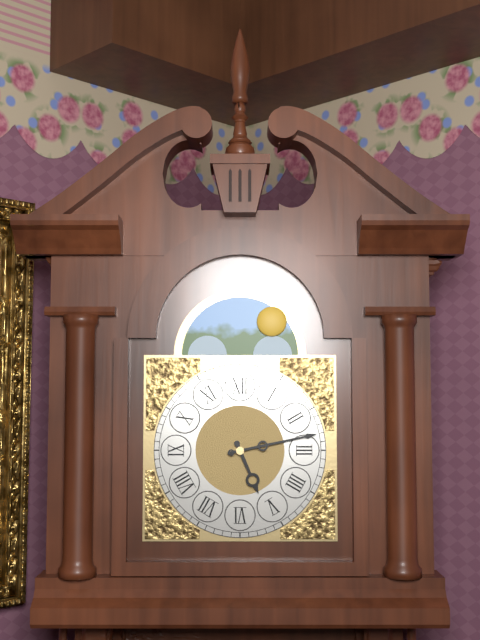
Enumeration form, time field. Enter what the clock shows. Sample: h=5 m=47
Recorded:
h=5 m=13
